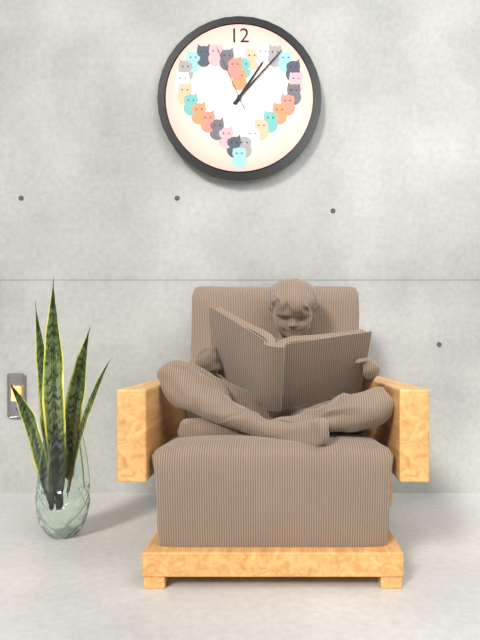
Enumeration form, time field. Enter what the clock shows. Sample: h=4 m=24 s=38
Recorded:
h=1 m=7 s=56
